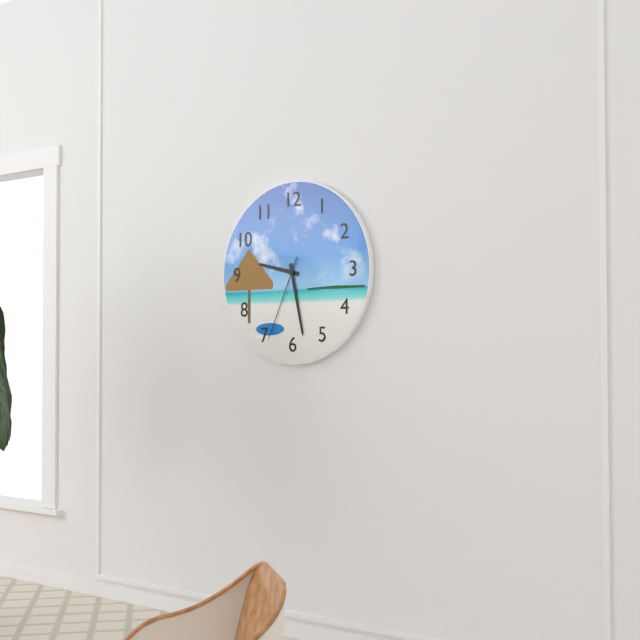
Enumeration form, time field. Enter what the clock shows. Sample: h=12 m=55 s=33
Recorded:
h=9 m=28 s=34
